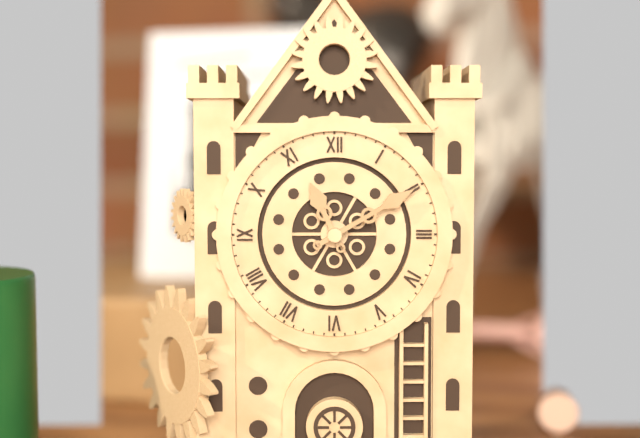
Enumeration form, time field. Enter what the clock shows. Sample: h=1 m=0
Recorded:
h=11 m=10
